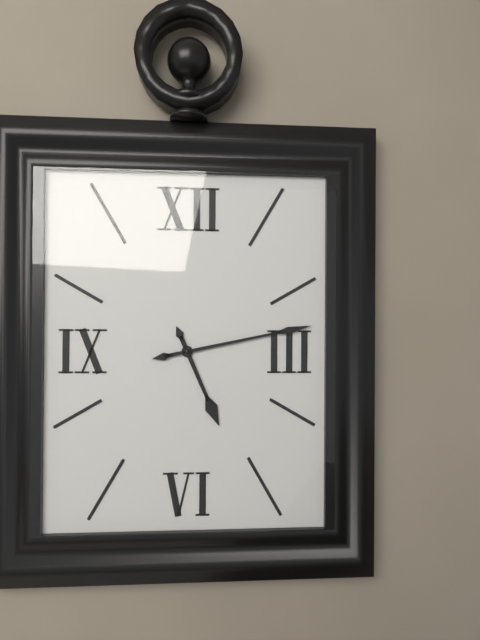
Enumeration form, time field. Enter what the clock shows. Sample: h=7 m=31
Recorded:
h=5 m=13
